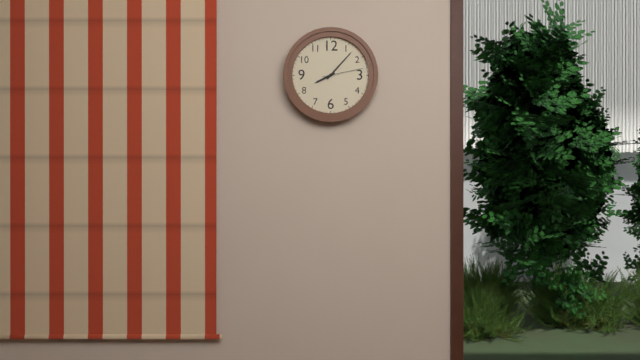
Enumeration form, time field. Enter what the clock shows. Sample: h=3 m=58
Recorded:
h=8 m=7
